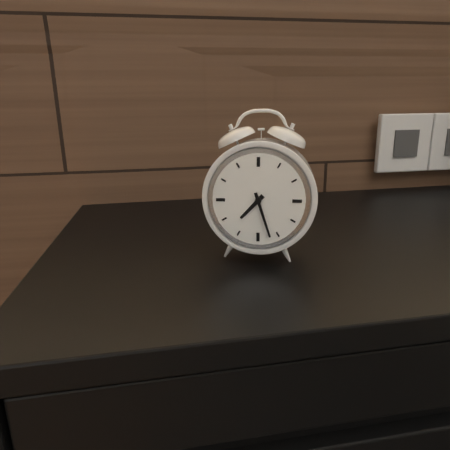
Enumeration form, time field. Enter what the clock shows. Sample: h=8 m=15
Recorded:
h=7 m=27
